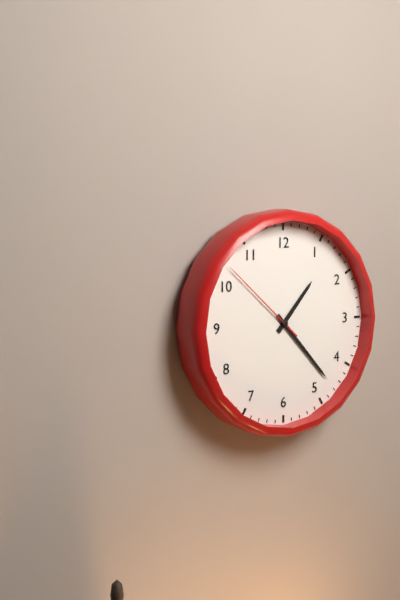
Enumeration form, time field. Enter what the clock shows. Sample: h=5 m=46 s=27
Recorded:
h=1 m=23 s=52
